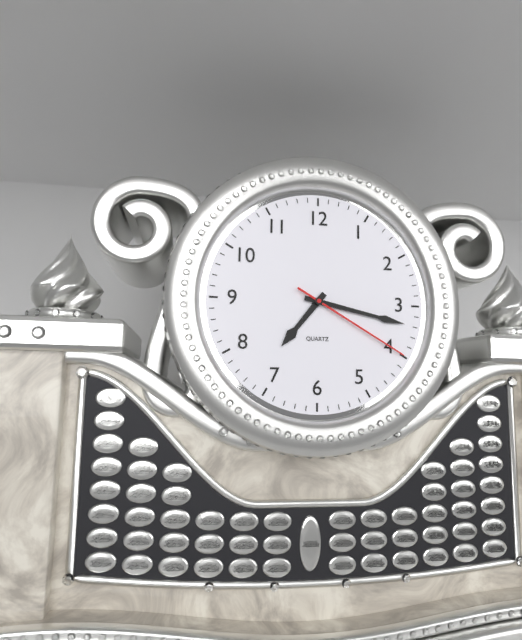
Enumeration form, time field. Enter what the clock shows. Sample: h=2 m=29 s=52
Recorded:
h=7 m=17 s=20
